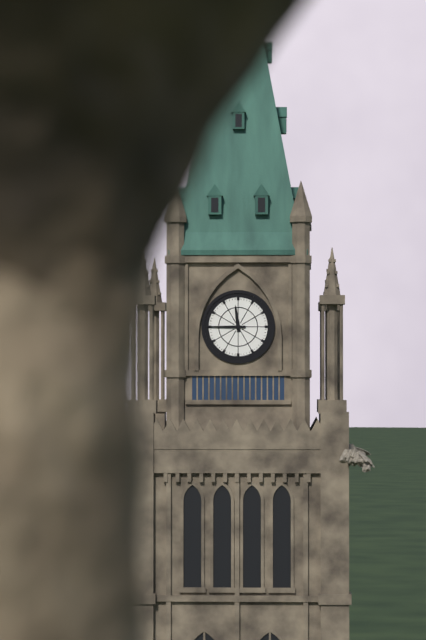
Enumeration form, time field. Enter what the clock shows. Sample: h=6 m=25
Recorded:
h=11 m=45
